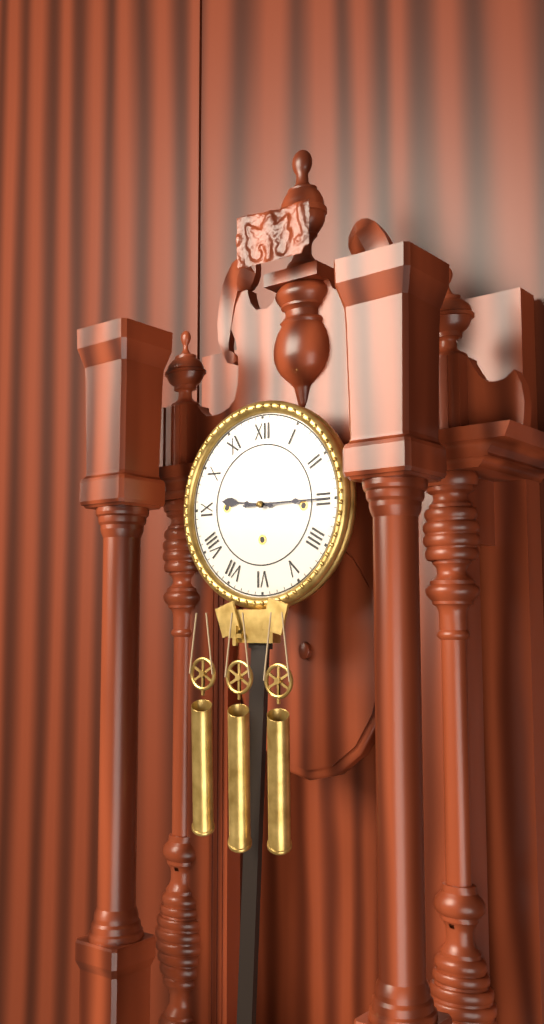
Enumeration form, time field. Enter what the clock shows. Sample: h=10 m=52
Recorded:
h=9 m=15
